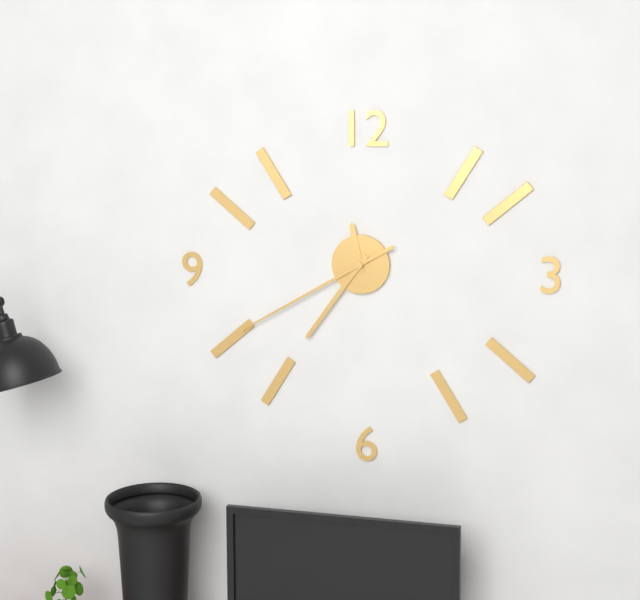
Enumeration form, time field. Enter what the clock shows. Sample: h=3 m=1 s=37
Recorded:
h=11 m=36 s=40
